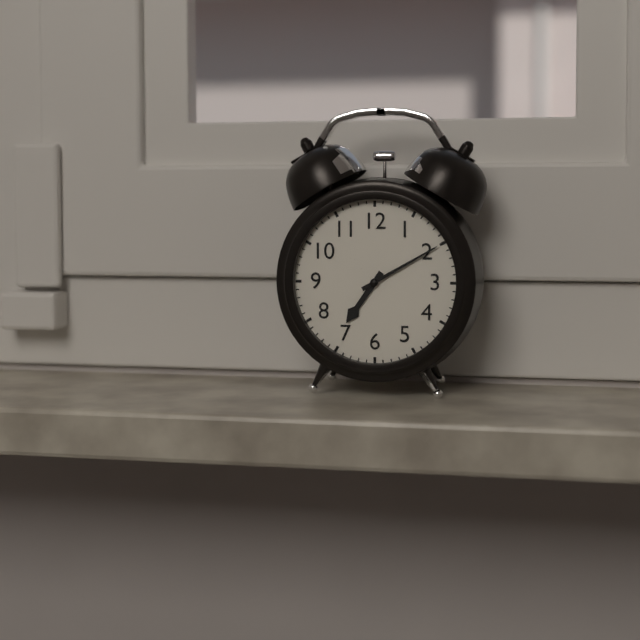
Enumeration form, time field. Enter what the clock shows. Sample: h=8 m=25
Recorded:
h=7 m=10
